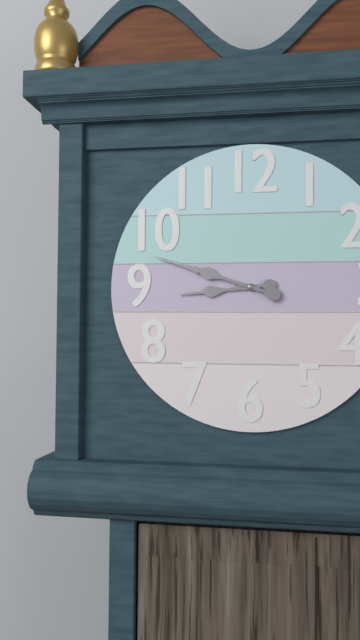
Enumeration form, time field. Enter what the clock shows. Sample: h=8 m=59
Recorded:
h=8 m=48
